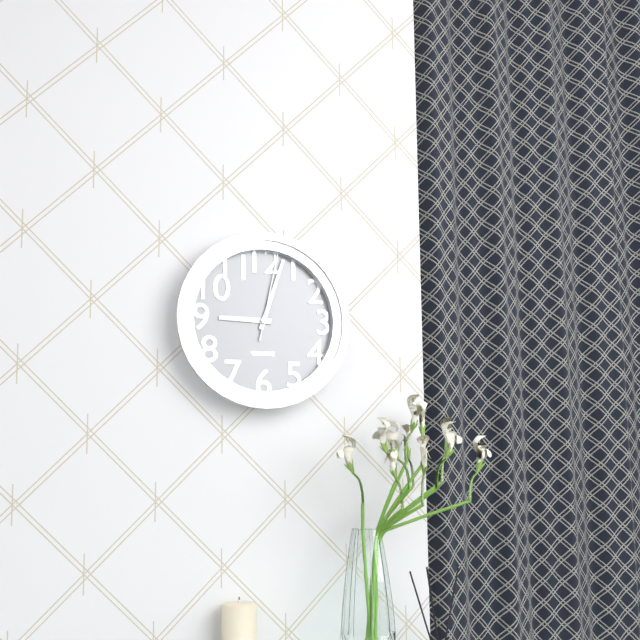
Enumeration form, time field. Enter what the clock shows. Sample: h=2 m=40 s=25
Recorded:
h=9 m=3 s=2
